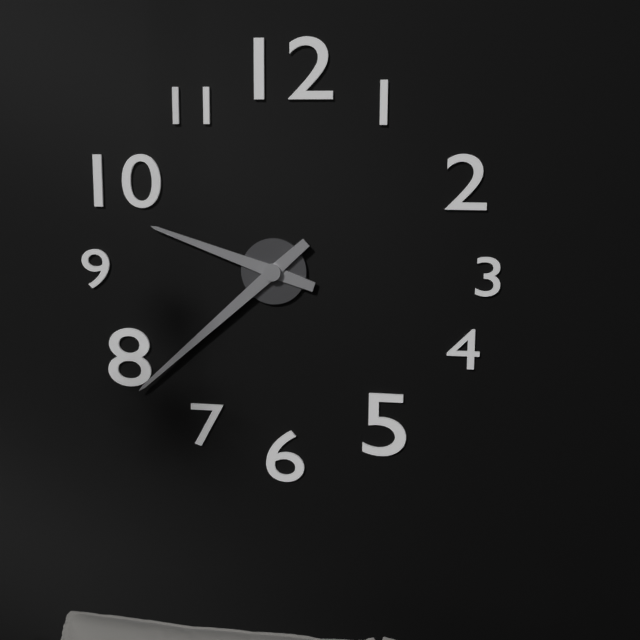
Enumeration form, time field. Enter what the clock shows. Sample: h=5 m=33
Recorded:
h=9 m=38
